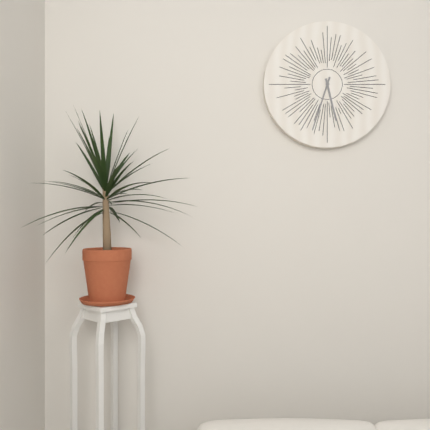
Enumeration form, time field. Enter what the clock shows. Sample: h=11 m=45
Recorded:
h=5 m=33
